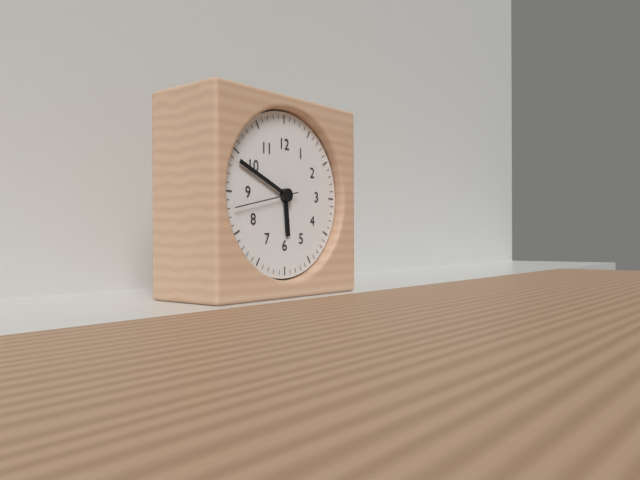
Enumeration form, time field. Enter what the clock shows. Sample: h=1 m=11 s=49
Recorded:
h=5 m=49 s=43
